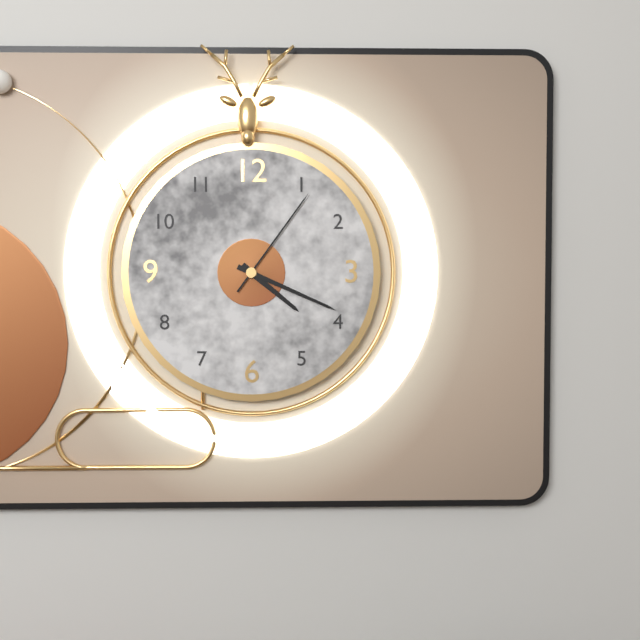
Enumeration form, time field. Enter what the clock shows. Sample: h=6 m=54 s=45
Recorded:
h=4 m=19 s=6
